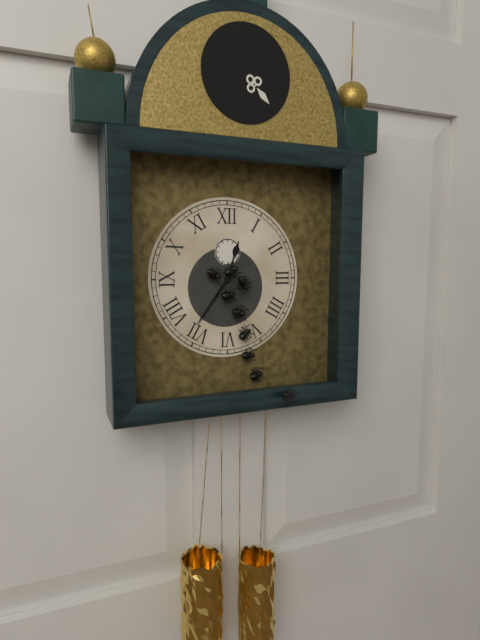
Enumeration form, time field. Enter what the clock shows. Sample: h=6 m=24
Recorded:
h=12 m=36
